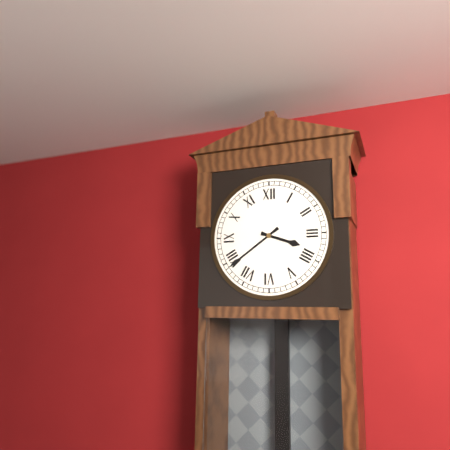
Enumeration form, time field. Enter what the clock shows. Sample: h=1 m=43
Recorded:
h=3 m=39
